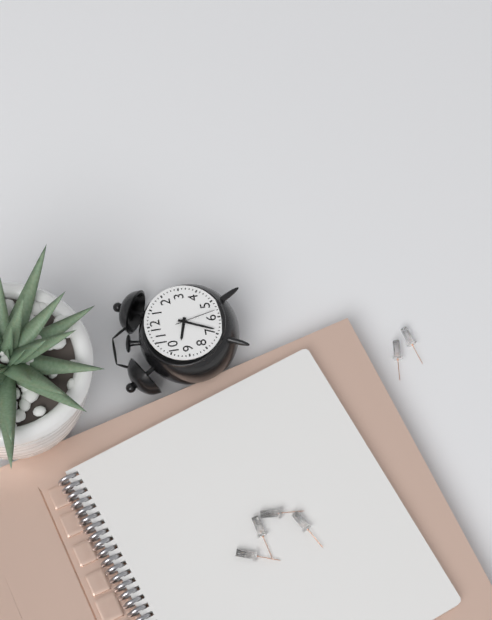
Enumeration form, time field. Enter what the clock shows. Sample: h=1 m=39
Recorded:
h=9 m=34
